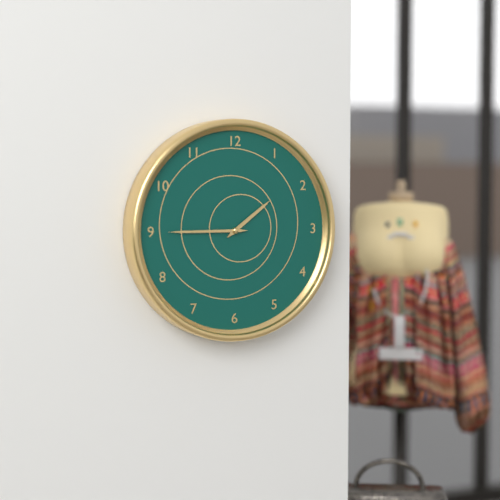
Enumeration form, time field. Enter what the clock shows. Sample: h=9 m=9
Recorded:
h=1 m=45
